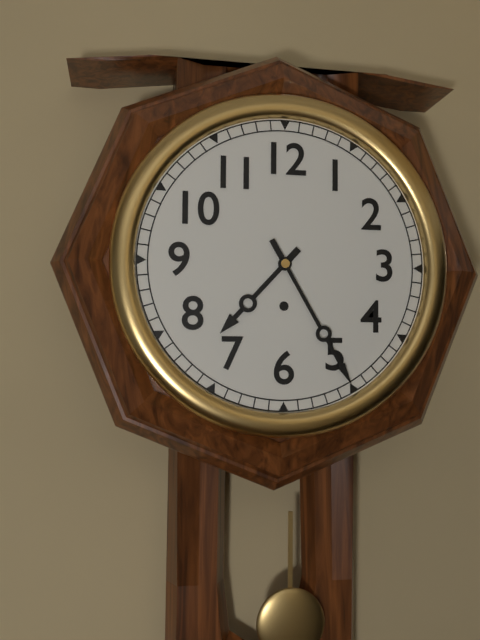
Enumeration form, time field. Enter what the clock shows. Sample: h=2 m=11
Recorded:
h=7 m=25
